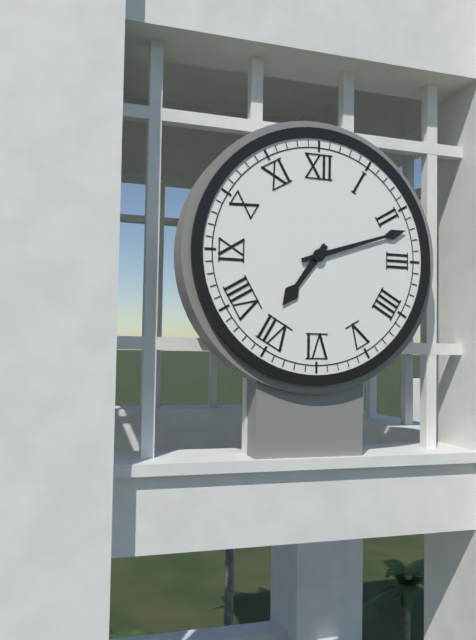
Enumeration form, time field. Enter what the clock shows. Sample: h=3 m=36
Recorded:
h=7 m=12
